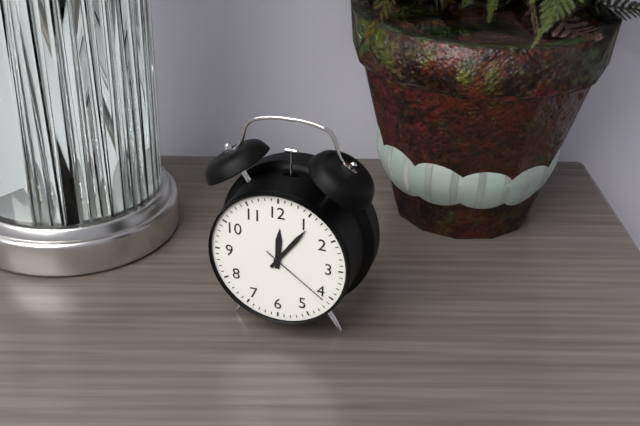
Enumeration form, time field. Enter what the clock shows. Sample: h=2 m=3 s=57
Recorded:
h=12 m=6 s=21
